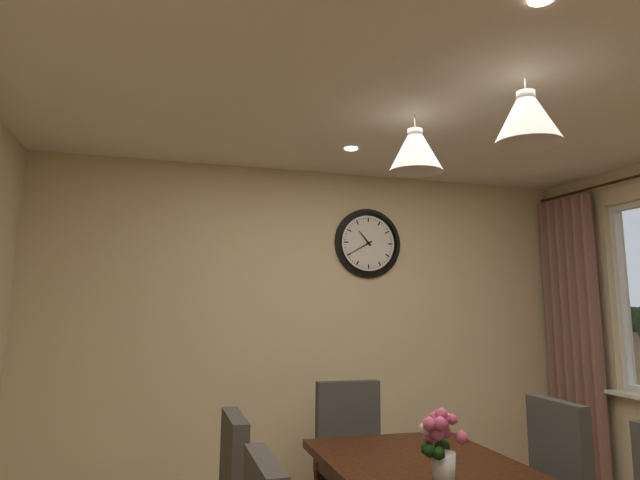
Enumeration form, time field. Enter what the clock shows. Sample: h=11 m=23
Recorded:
h=10 m=40
